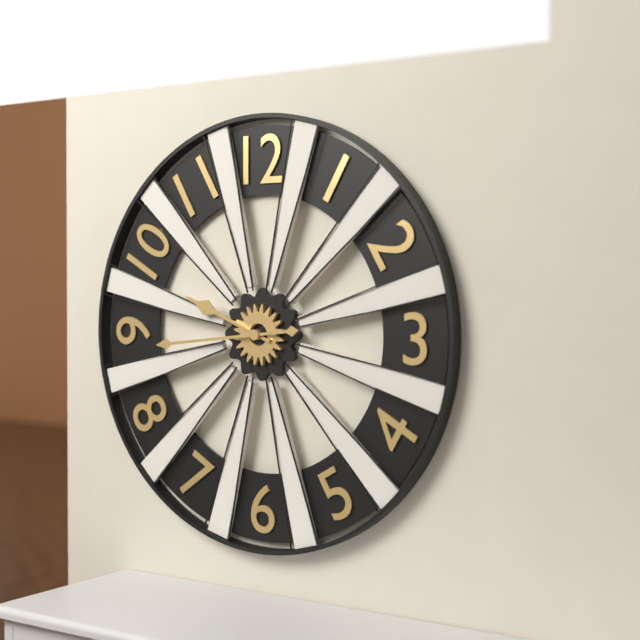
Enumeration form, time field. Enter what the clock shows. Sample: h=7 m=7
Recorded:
h=9 m=44
